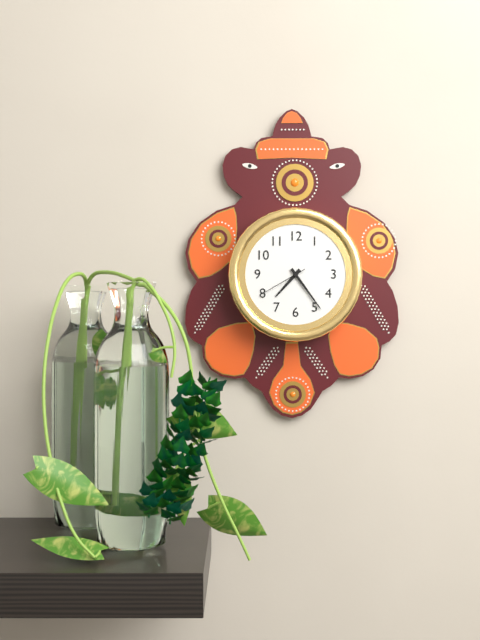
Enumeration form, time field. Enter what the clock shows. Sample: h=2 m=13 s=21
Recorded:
h=7 m=24 s=40
